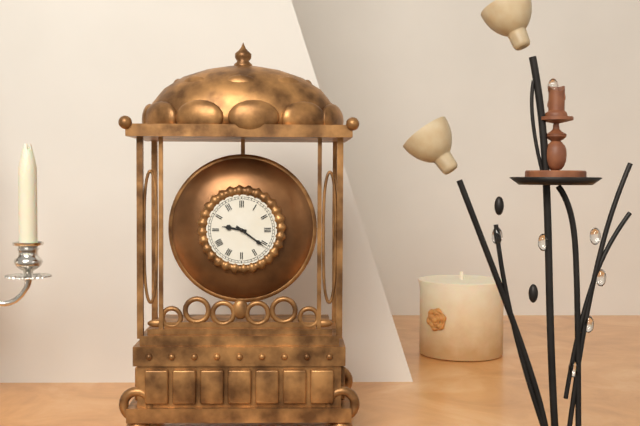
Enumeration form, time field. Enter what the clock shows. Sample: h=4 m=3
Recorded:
h=9 m=21
